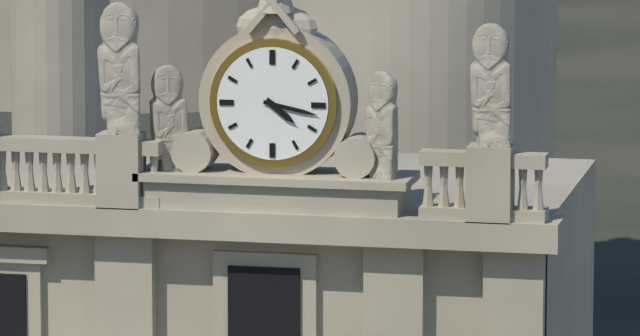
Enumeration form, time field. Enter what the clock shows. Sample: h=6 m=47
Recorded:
h=4 m=17
